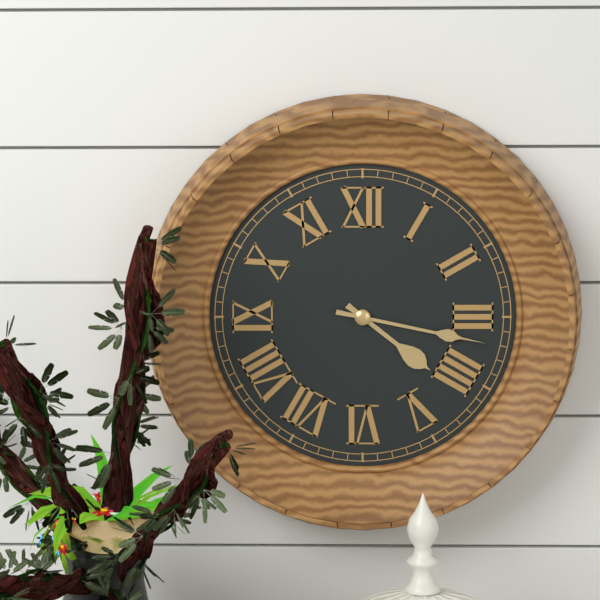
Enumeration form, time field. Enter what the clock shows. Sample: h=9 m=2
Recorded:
h=4 m=17
